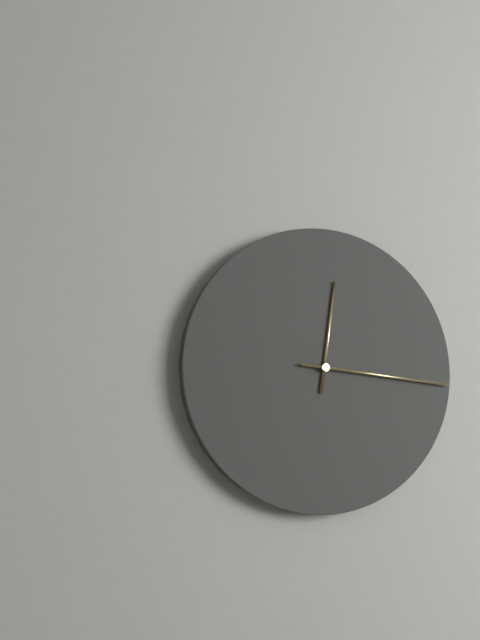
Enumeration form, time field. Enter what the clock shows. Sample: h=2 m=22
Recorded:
h=12 m=16
